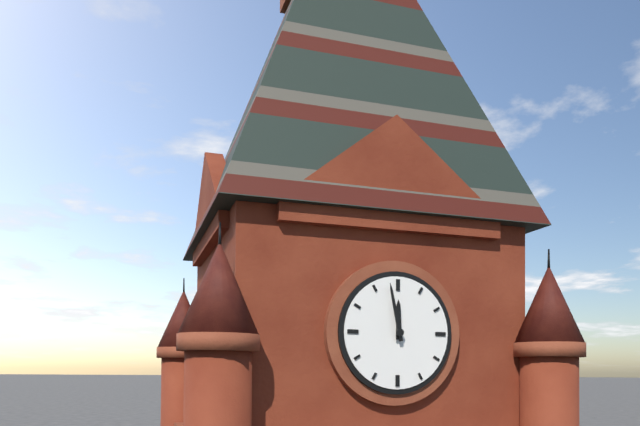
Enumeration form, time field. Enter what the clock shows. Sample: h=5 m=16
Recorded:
h=11 m=58
